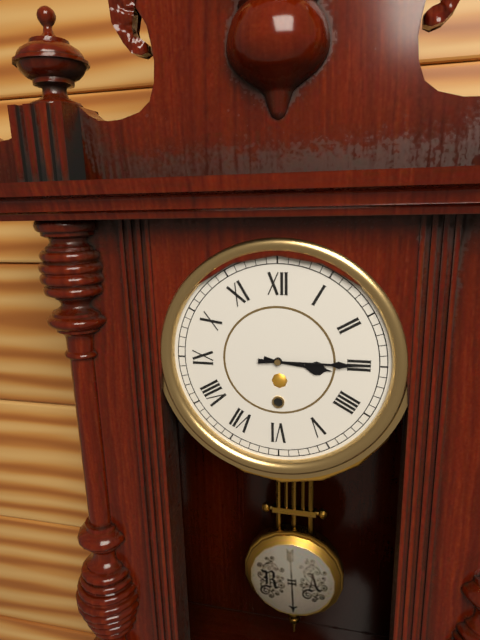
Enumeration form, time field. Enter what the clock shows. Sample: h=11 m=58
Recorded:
h=3 m=15
